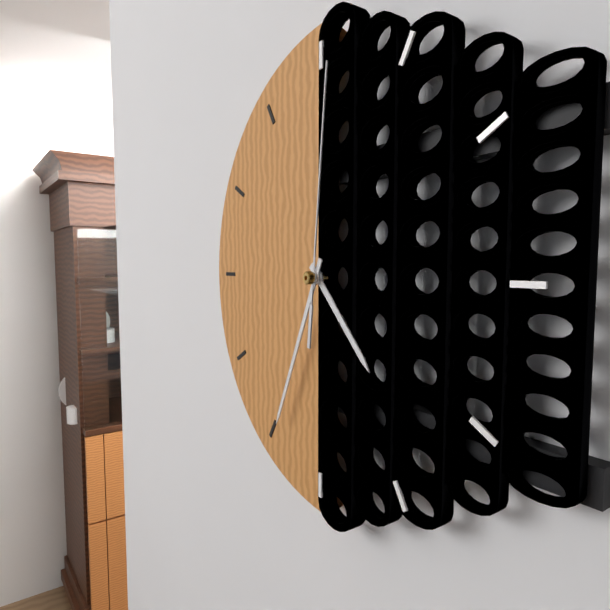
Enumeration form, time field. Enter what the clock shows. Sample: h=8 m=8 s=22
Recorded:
h=4 m=34 s=1
